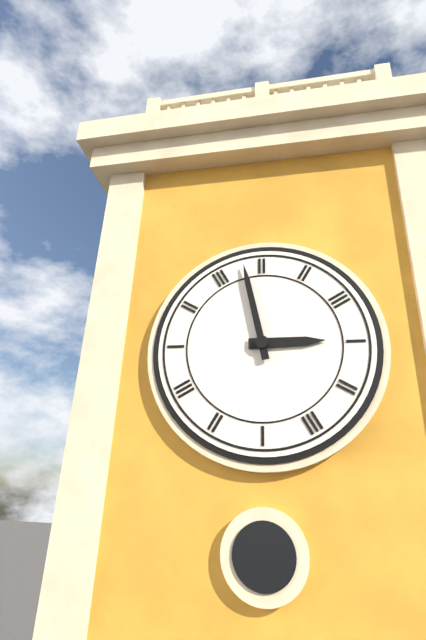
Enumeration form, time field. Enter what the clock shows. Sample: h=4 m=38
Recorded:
h=2 m=58
